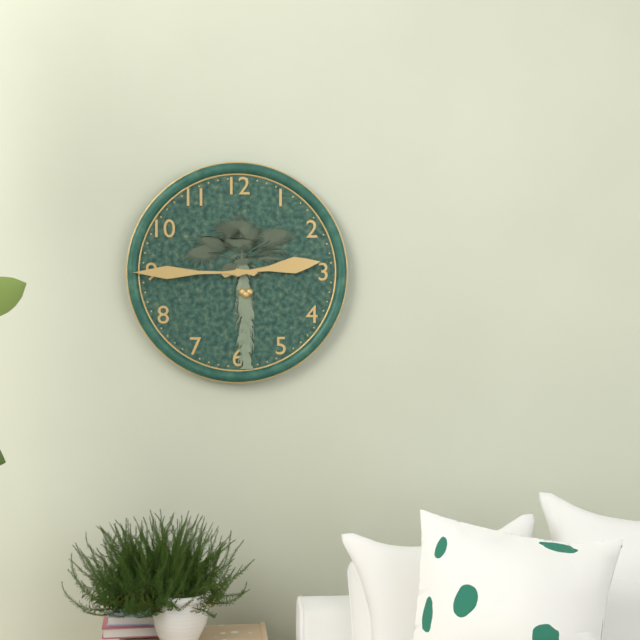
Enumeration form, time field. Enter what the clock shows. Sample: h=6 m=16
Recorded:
h=2 m=45
